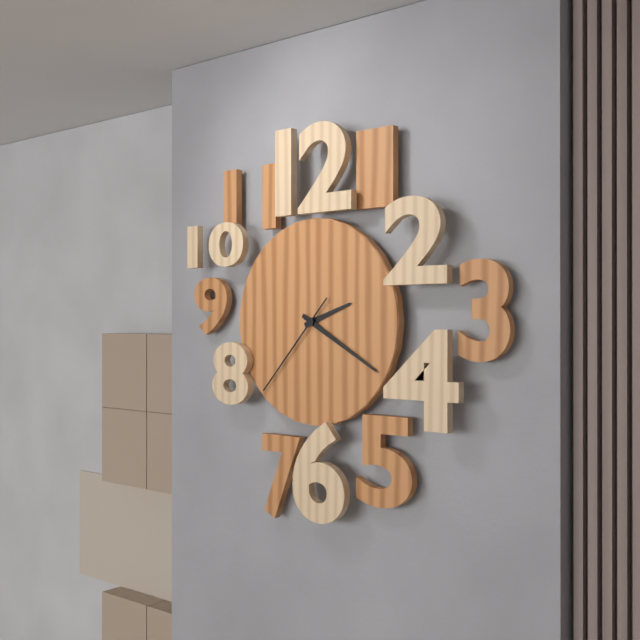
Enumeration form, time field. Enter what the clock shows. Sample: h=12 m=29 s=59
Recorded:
h=2 m=20 s=37
